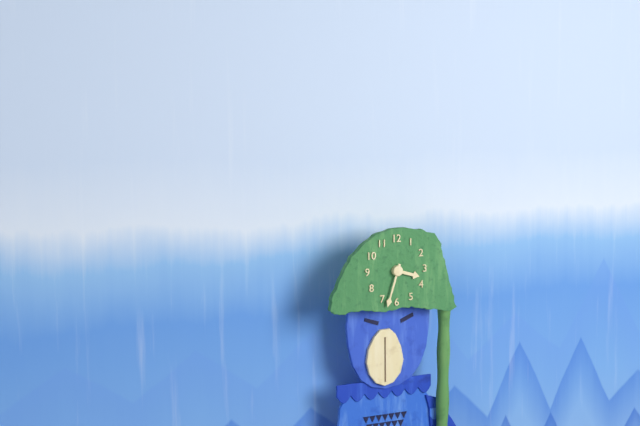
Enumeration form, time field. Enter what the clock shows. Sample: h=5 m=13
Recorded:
h=3 m=33
